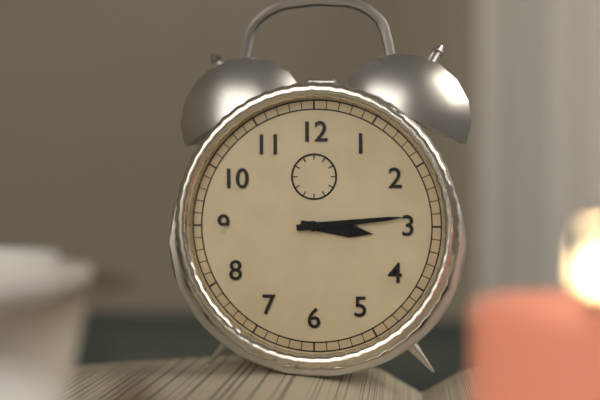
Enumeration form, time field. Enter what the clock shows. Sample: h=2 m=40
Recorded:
h=3 m=14
